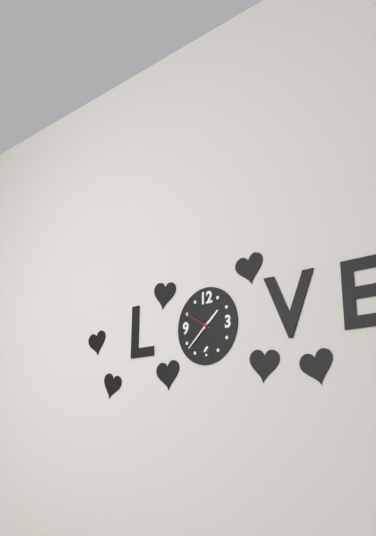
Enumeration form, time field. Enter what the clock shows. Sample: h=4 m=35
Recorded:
h=1 m=38
